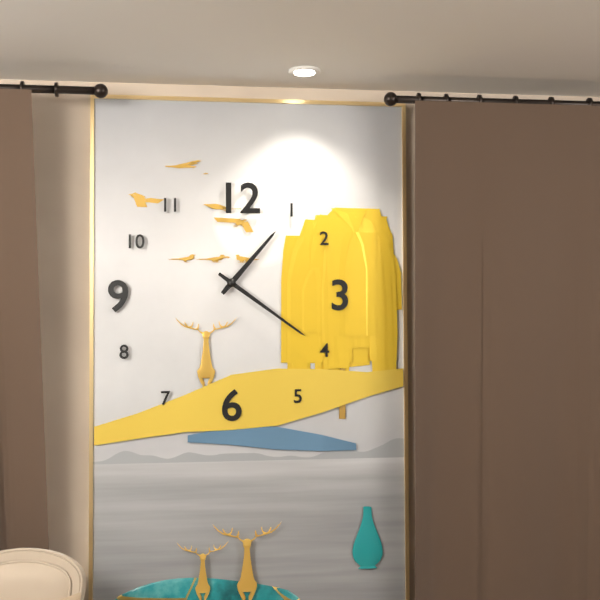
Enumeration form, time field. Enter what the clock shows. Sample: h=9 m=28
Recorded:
h=1 m=21
